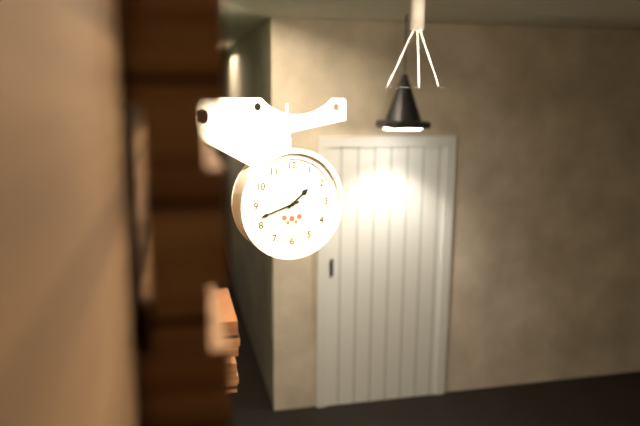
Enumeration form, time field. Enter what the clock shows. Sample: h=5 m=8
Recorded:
h=1 m=42
